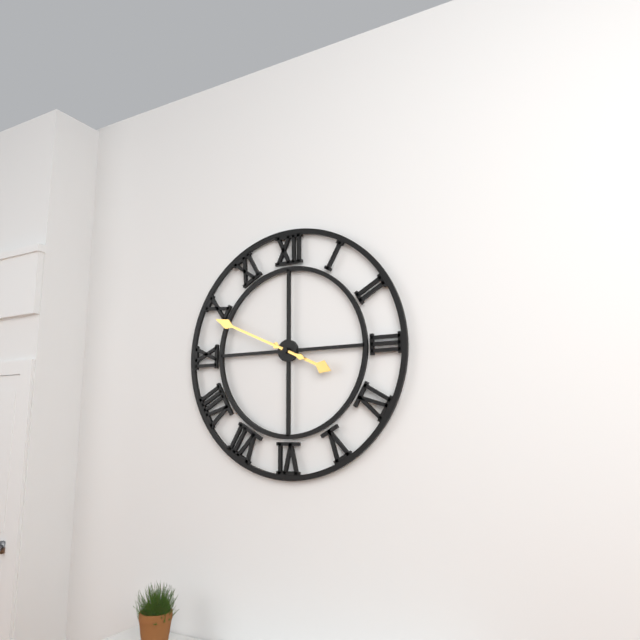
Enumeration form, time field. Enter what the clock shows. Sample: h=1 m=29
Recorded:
h=3 m=49
